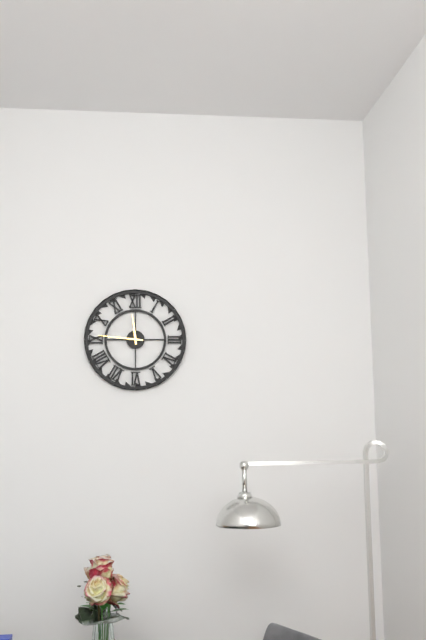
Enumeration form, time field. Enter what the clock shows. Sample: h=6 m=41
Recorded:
h=11 m=46
